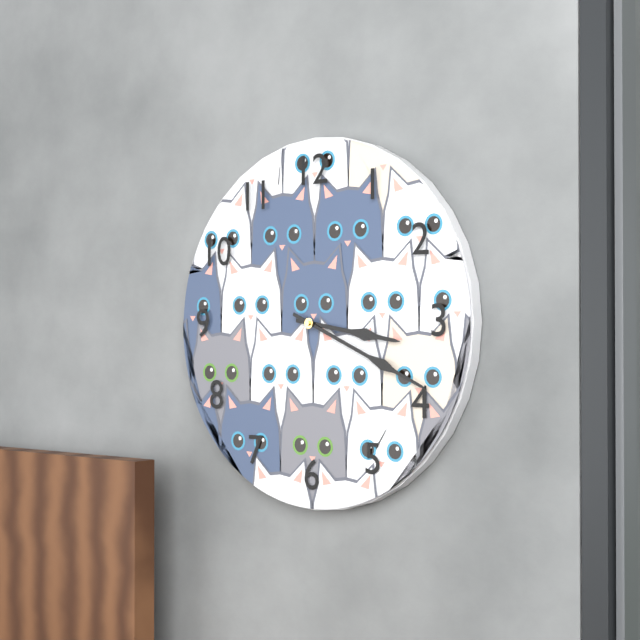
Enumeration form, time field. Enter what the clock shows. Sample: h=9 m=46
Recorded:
h=3 m=19
